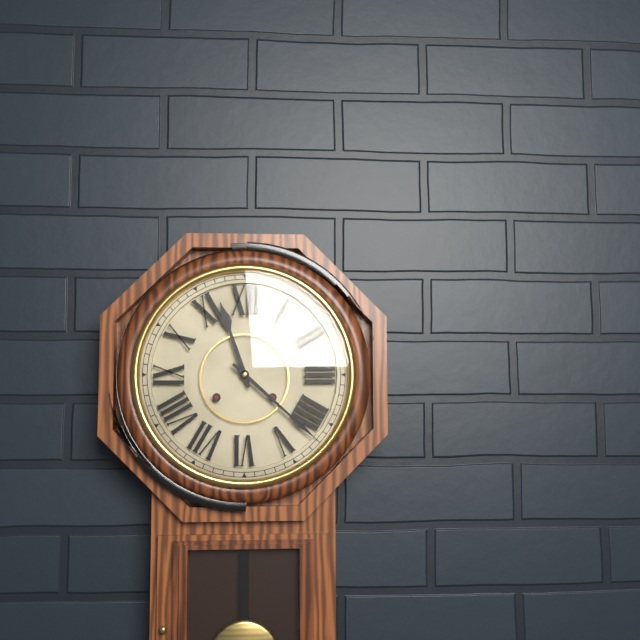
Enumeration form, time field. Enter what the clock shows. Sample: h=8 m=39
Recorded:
h=11 m=22
